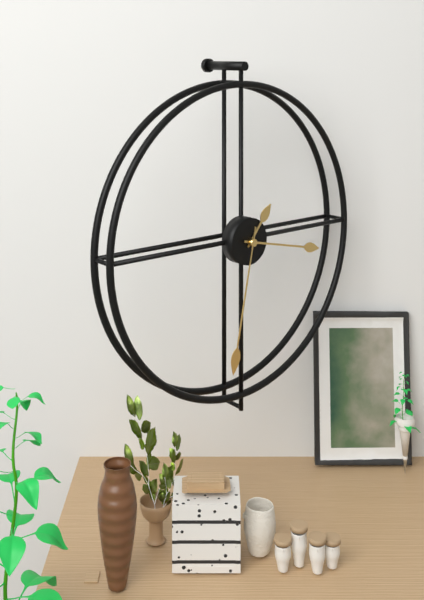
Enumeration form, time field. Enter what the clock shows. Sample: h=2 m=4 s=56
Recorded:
h=1 m=17 s=32
